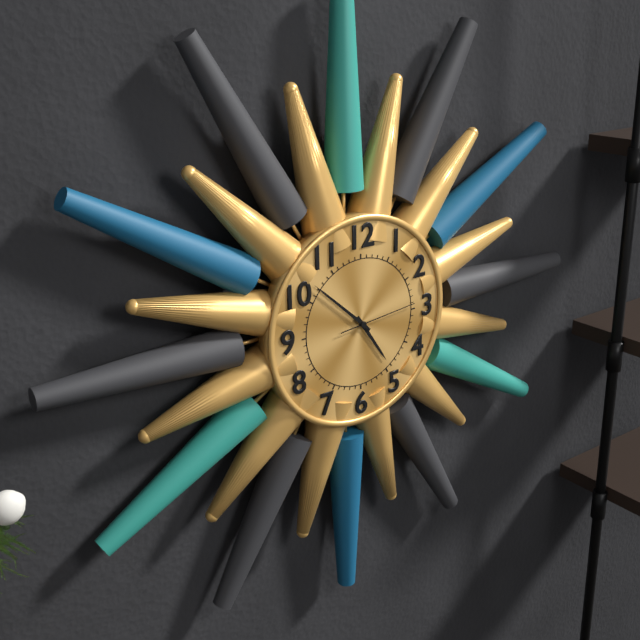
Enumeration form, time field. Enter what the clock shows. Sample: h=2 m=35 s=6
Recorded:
h=4 m=52 s=14
